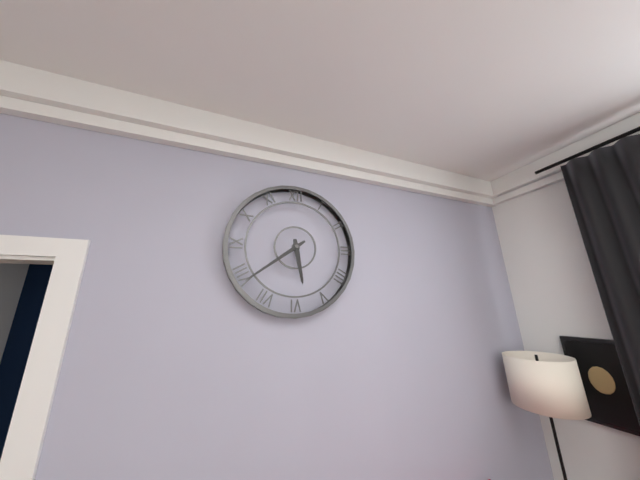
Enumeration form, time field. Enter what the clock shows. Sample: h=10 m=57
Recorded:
h=5 m=39
